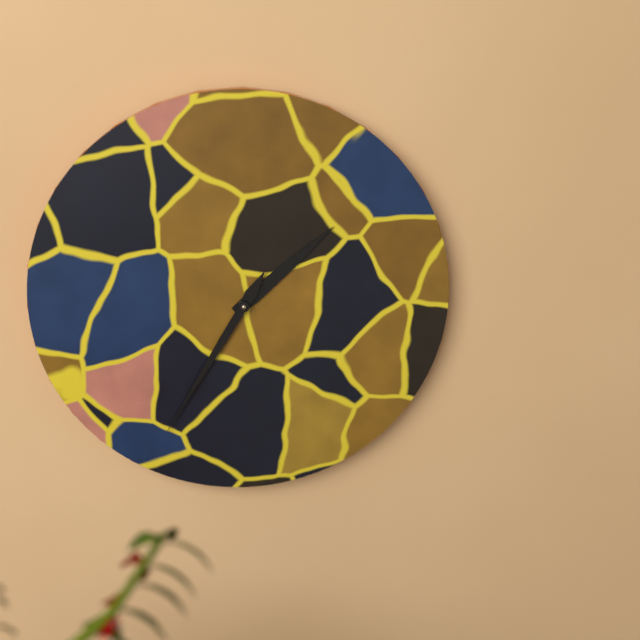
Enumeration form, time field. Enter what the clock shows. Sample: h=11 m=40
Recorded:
h=1 m=35
